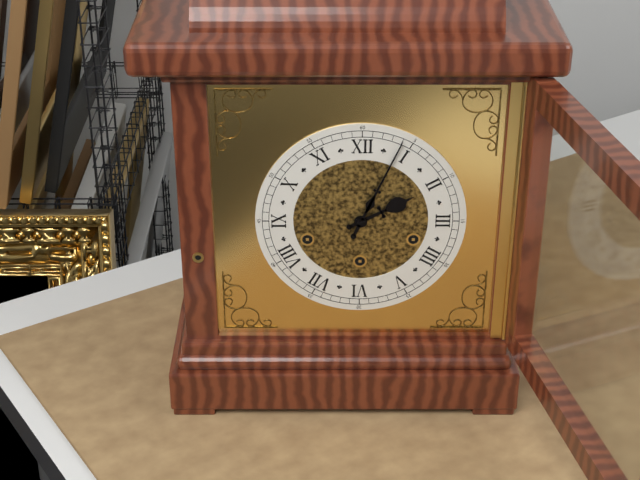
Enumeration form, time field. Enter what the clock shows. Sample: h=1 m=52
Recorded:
h=2 m=4
